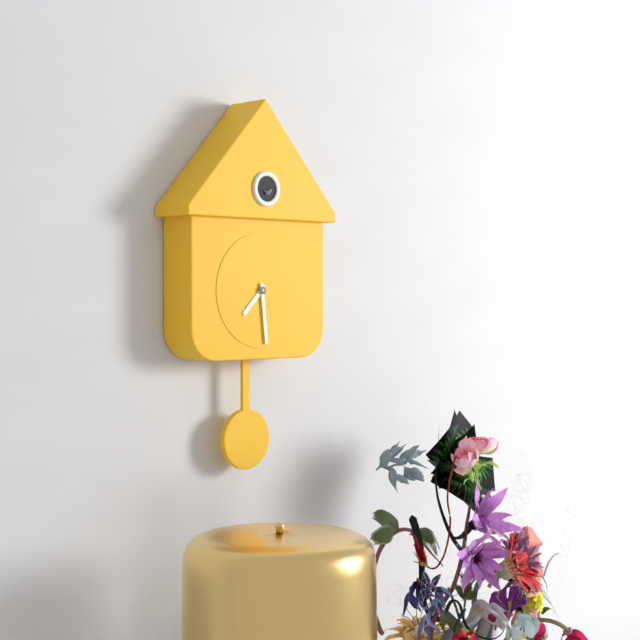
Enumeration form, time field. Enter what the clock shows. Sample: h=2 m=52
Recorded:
h=7 m=29
